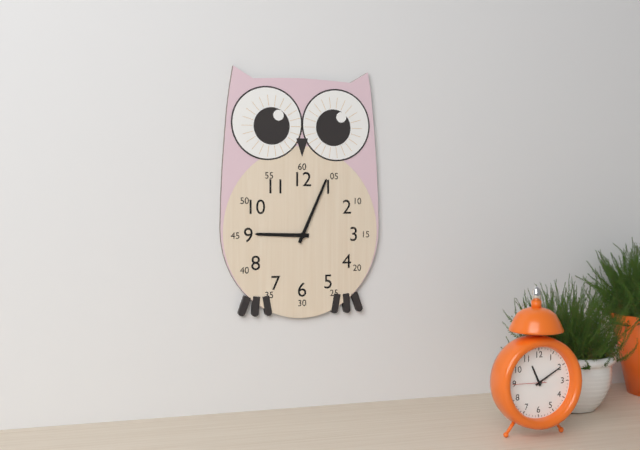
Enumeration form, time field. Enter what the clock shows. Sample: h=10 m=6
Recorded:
h=9 m=4
